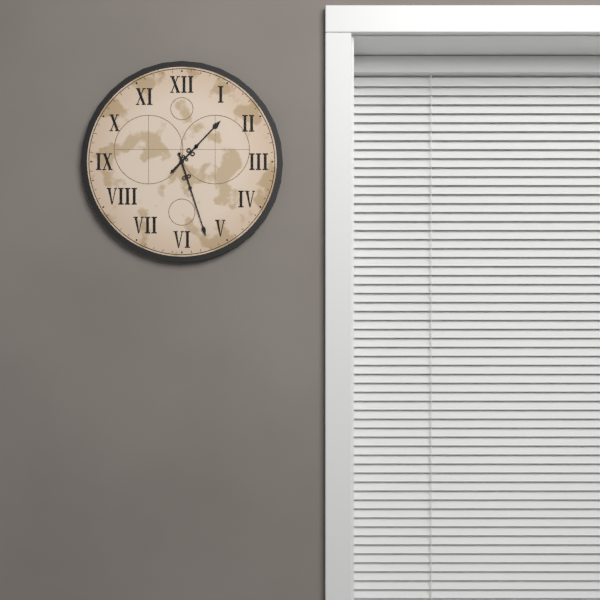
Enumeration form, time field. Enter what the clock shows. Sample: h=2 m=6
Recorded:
h=1 m=27
